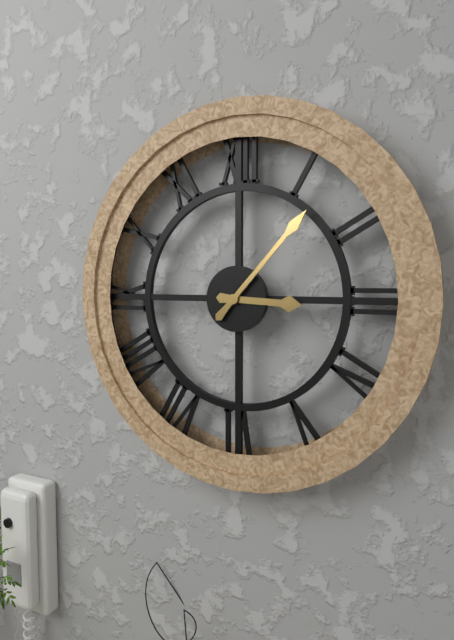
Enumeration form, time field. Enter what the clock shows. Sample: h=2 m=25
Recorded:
h=3 m=7
